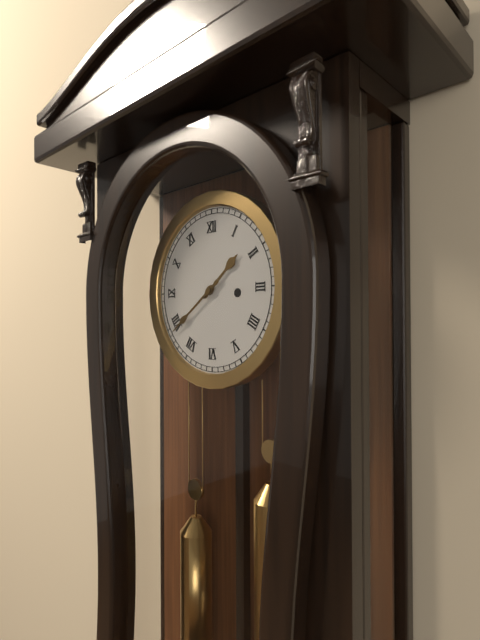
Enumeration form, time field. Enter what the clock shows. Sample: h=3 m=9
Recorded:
h=1 m=39
